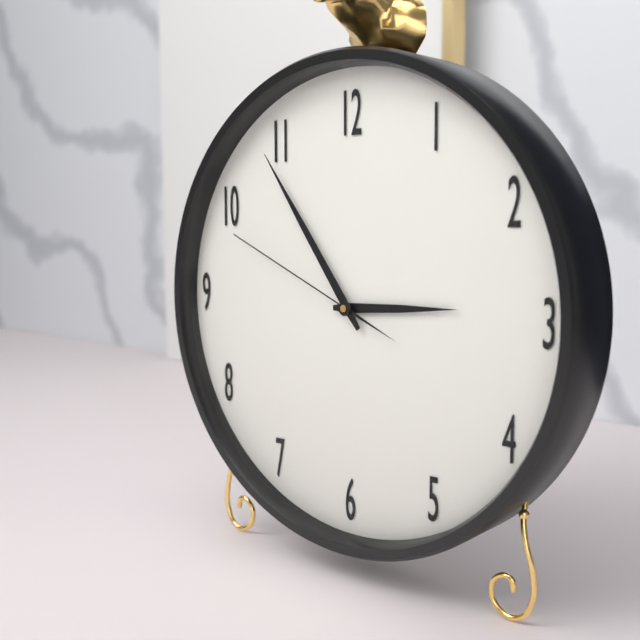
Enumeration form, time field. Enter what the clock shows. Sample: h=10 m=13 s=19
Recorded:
h=2 m=54 s=49
